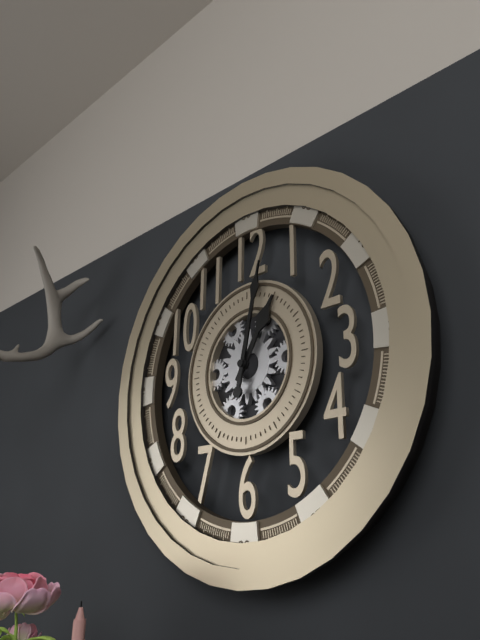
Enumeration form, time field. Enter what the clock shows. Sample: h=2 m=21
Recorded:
h=1 m=2
